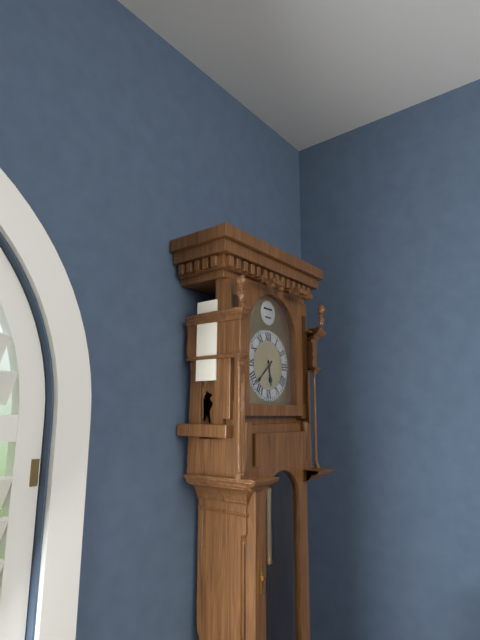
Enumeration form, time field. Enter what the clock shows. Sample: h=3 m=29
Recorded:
h=5 m=38
